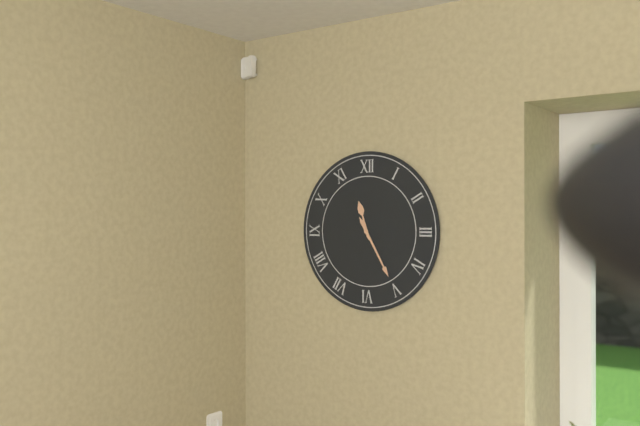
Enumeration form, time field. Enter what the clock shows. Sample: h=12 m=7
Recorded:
h=11 m=25
